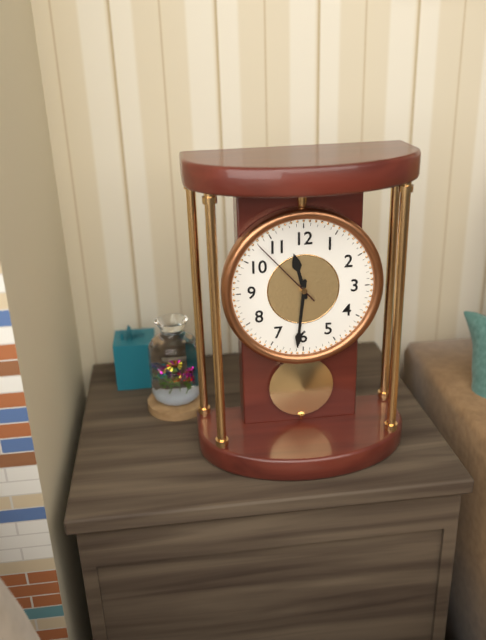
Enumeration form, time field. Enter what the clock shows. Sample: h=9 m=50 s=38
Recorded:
h=11 m=31 s=53
